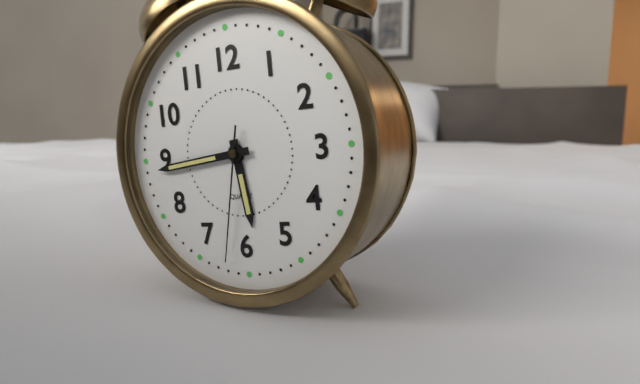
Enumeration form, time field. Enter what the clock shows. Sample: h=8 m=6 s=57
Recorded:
h=5 m=44 s=32
